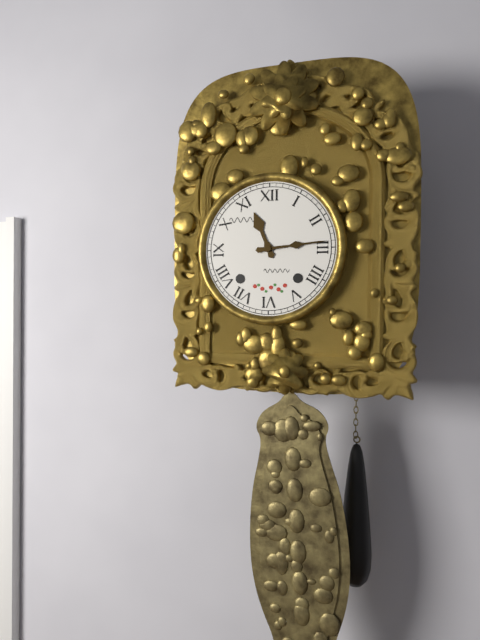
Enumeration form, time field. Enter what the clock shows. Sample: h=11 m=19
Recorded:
h=11 m=14
